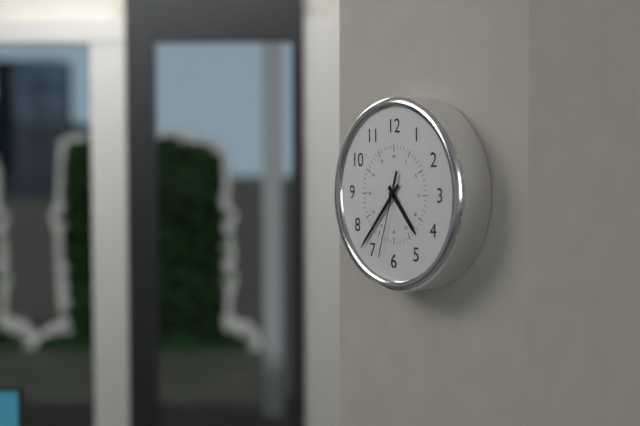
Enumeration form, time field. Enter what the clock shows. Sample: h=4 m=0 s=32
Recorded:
h=4 m=37 s=33
